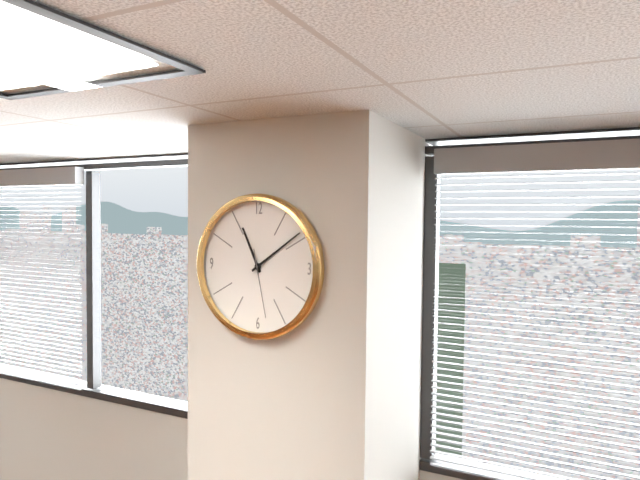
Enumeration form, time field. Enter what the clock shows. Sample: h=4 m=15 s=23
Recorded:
h=11 m=9 s=28
